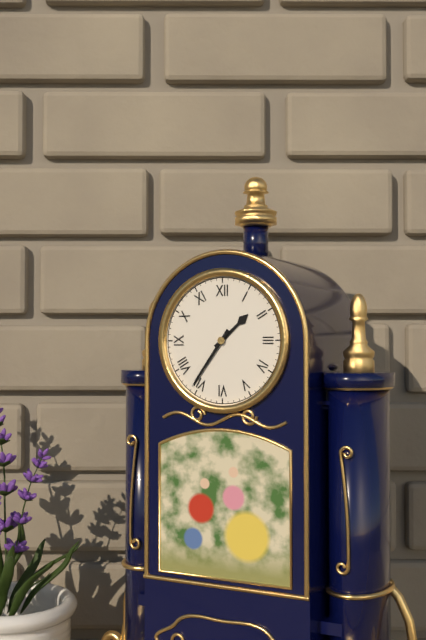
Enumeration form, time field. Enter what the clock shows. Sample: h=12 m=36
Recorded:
h=1 m=36
